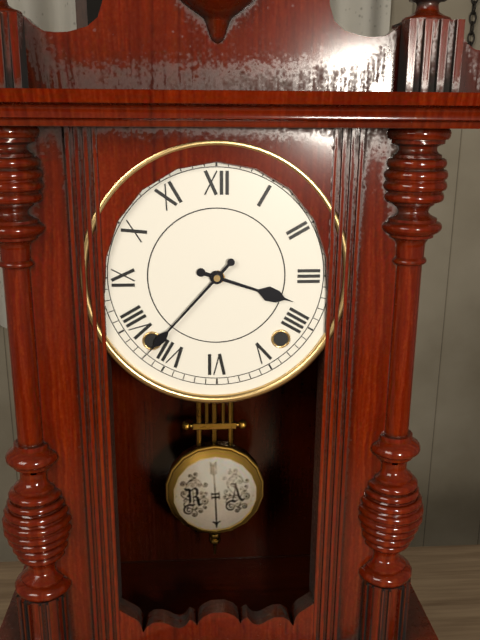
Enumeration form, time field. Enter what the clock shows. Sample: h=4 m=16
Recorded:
h=3 m=37
